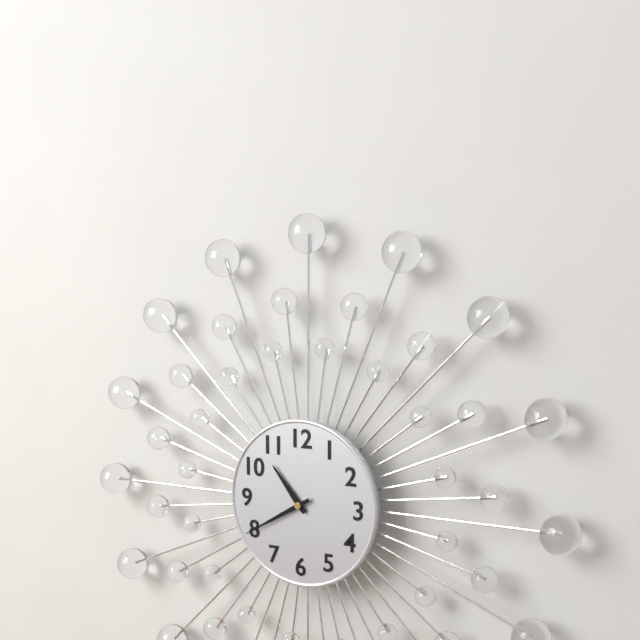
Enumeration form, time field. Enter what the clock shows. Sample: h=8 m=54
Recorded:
h=10 m=40
